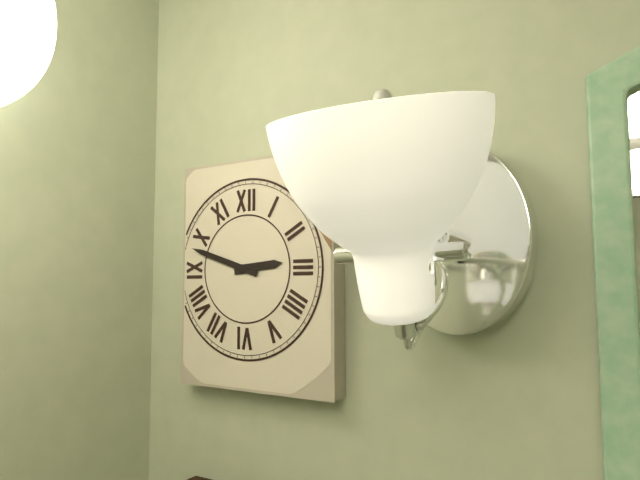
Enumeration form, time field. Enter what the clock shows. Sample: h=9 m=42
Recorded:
h=2 m=48
